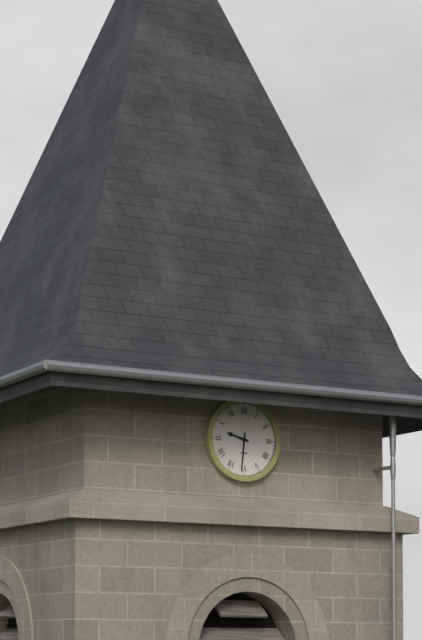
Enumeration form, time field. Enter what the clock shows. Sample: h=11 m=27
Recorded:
h=9 m=31
